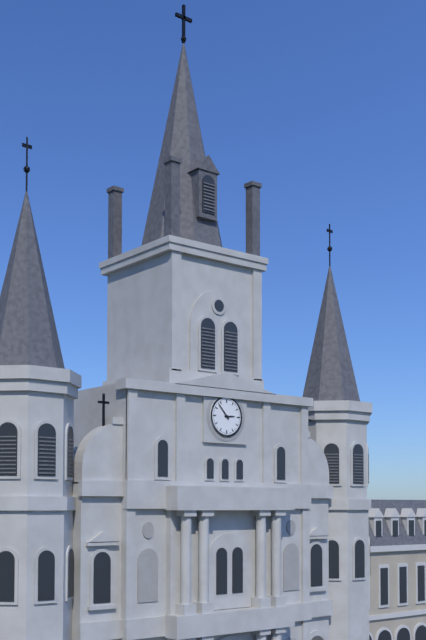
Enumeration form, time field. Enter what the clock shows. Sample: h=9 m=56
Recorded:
h=2 m=53
